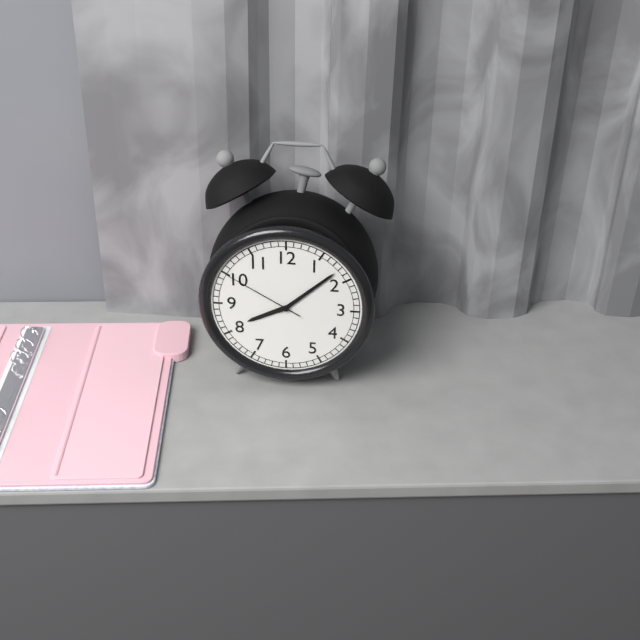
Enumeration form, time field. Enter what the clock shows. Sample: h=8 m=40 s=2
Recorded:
h=8 m=8 s=50
